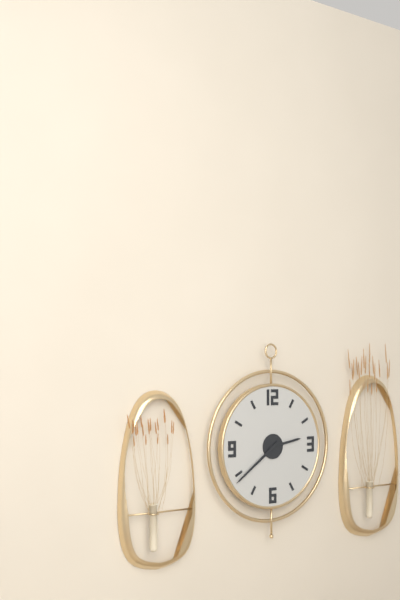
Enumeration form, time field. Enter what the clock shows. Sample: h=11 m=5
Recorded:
h=2 m=39
